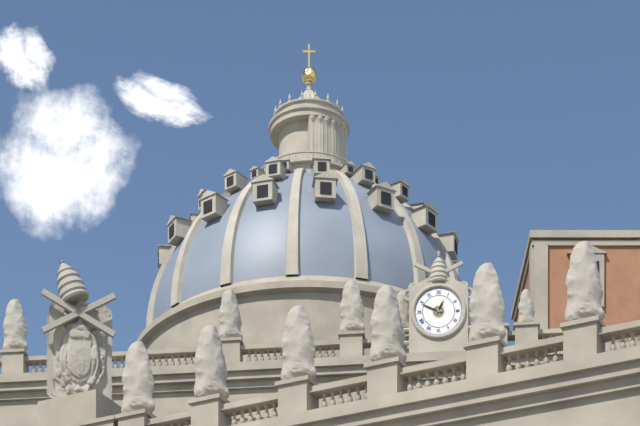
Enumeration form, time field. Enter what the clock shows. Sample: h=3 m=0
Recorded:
h=12 m=49
